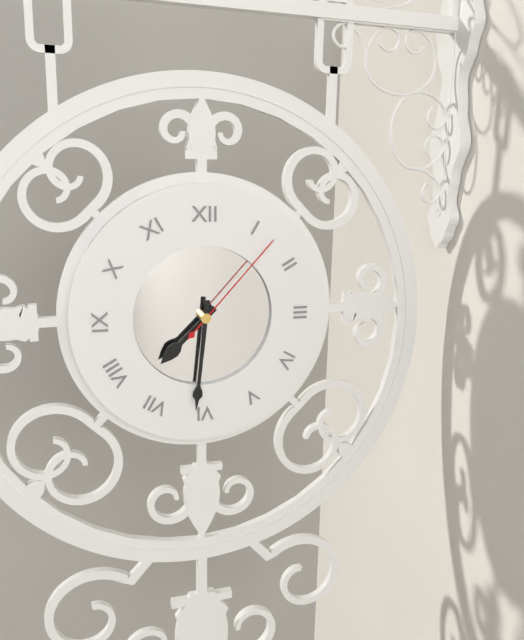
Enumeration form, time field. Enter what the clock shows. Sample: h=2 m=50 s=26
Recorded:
h=7 m=31 s=7
